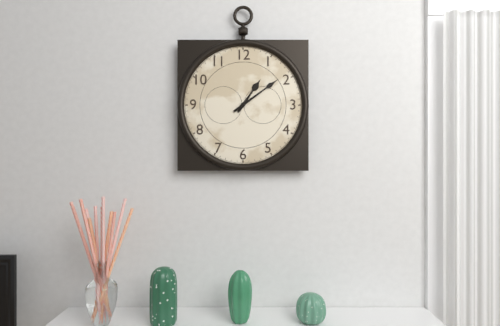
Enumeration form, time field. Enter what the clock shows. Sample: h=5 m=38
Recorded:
h=1 m=9
